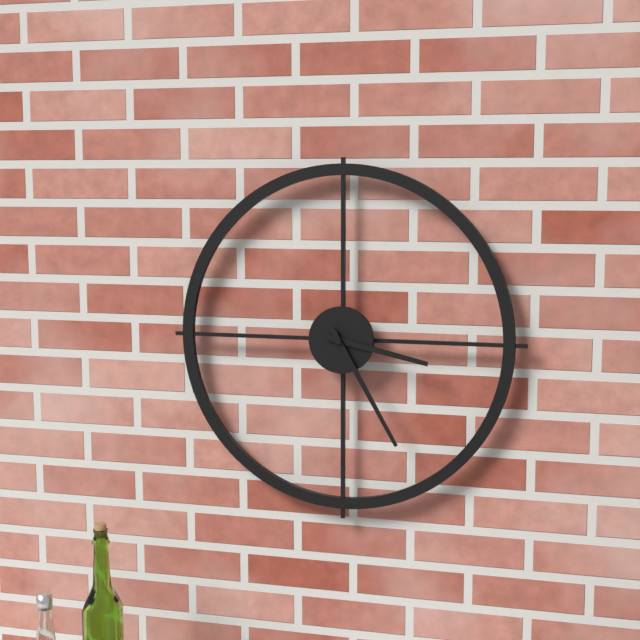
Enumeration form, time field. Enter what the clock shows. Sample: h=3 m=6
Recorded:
h=3 m=25
